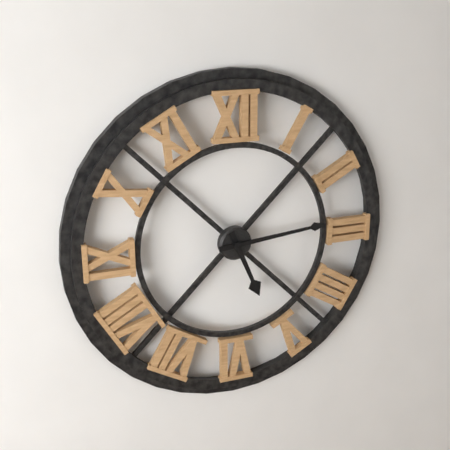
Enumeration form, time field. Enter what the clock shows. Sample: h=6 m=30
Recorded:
h=5 m=14
